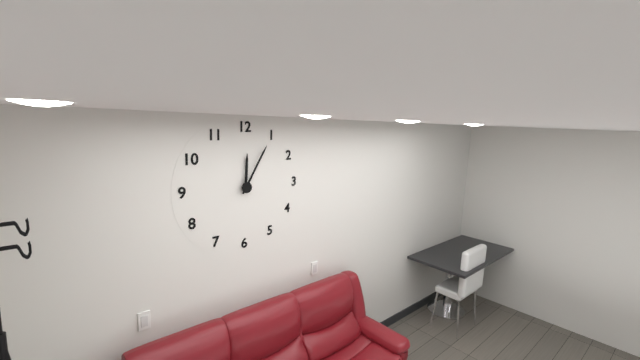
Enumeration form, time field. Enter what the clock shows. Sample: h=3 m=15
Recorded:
h=12 m=5
